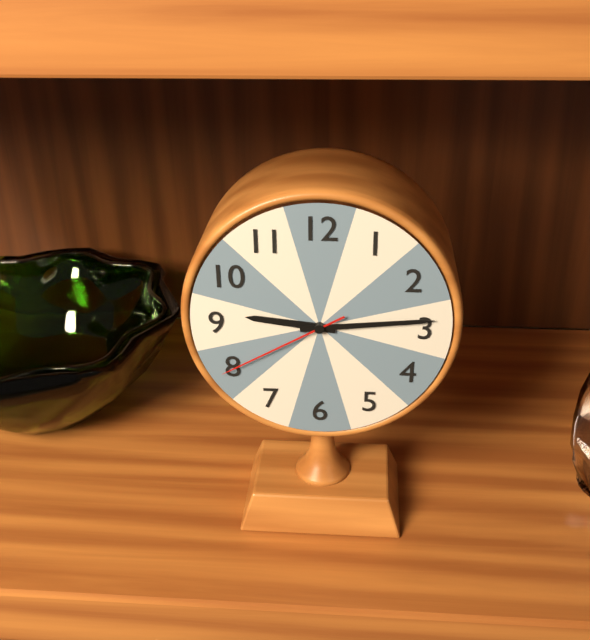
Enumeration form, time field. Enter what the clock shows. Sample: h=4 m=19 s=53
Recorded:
h=9 m=14 s=40
